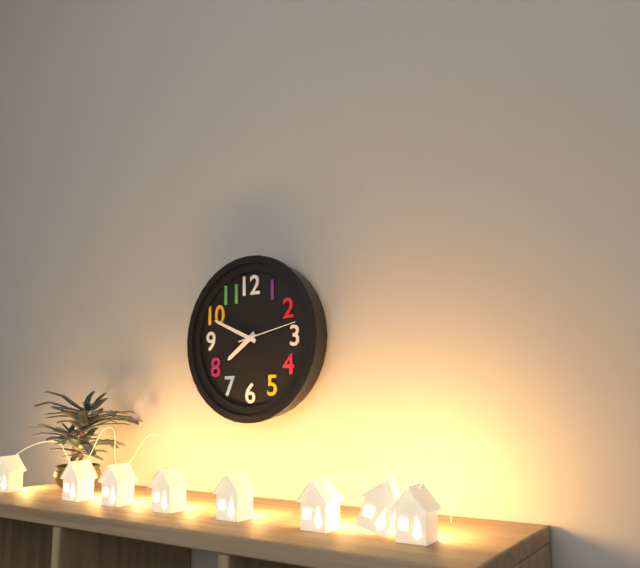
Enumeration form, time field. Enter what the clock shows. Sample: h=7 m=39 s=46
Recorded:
h=7 m=49 s=13
